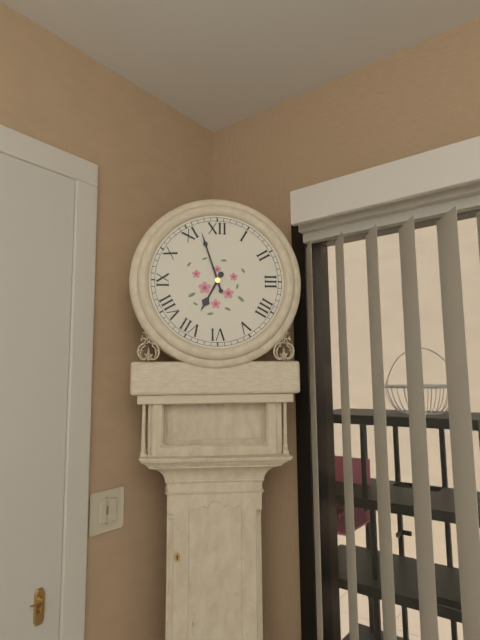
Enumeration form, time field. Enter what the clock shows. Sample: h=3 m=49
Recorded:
h=6 m=57
